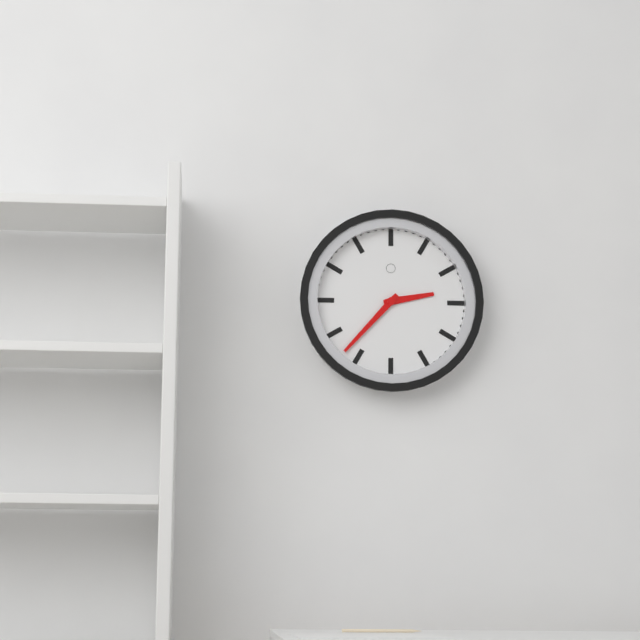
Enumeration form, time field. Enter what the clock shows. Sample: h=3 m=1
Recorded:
h=2 m=37
